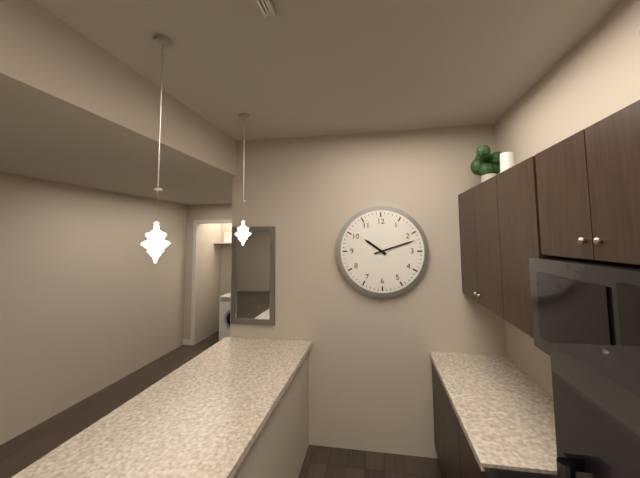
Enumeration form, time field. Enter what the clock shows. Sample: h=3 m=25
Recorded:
h=10 m=12
